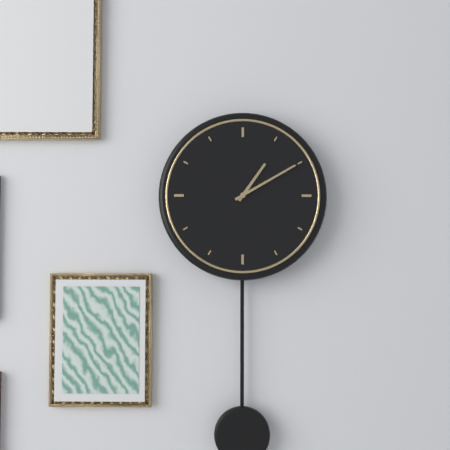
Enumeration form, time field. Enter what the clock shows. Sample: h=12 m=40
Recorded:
h=1 m=10
